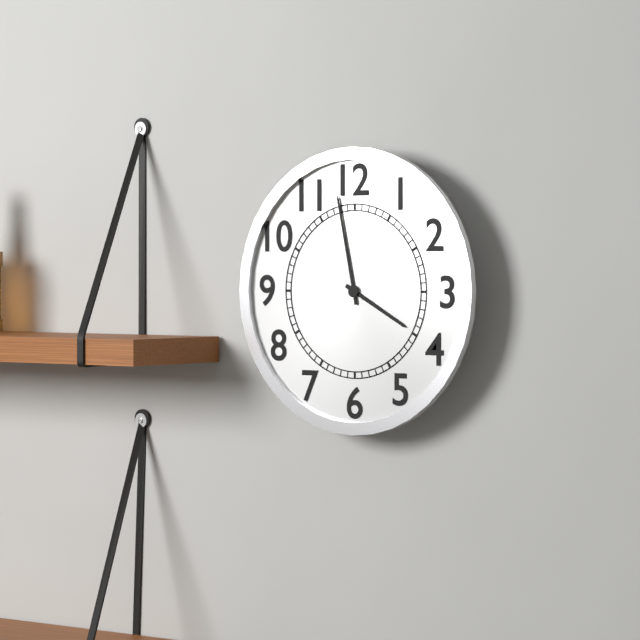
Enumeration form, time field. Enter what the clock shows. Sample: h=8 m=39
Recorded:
h=3 m=58
